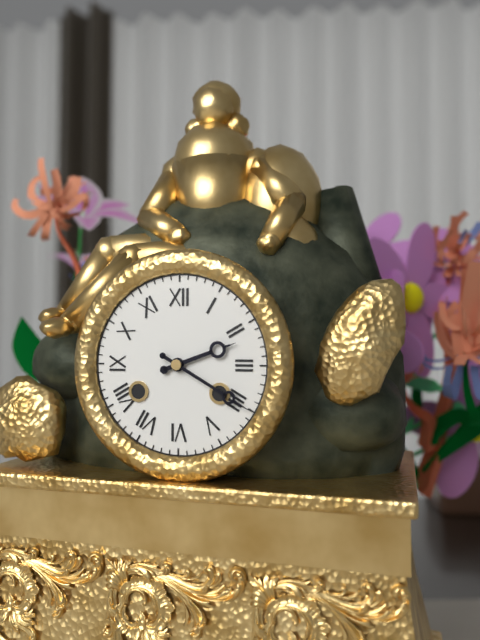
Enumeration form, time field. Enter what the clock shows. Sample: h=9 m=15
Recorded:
h=2 m=20
